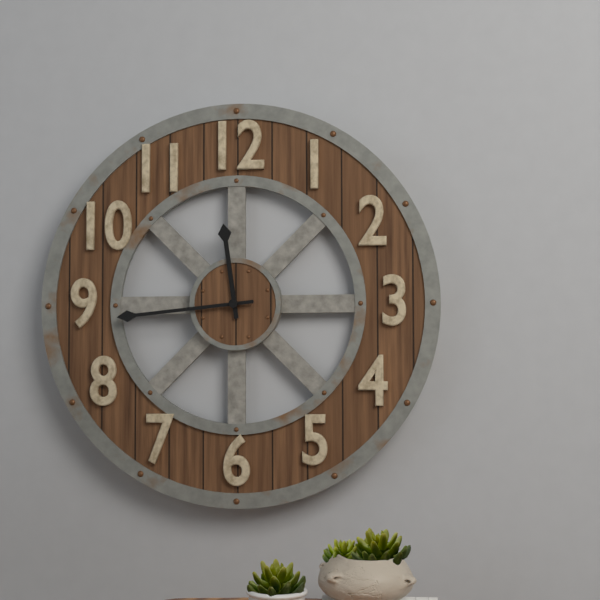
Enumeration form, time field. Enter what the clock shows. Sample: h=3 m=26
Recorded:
h=11 m=44
